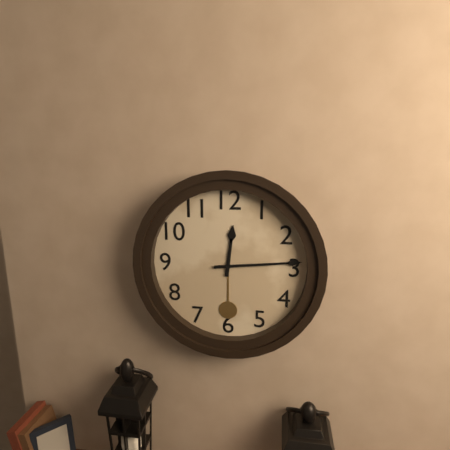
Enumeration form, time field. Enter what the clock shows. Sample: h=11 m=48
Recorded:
h=12 m=14
